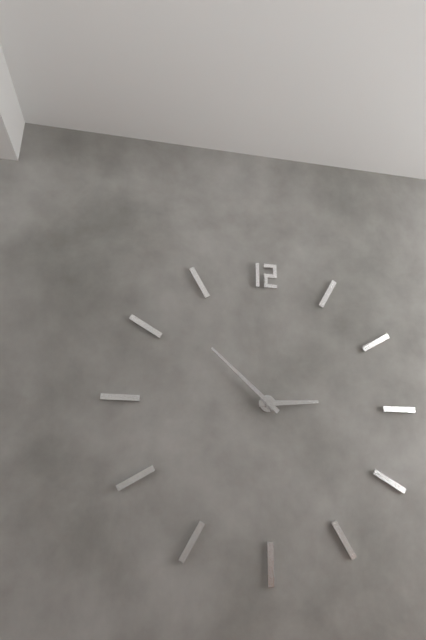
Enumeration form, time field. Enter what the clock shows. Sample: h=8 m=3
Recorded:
h=2 m=52
